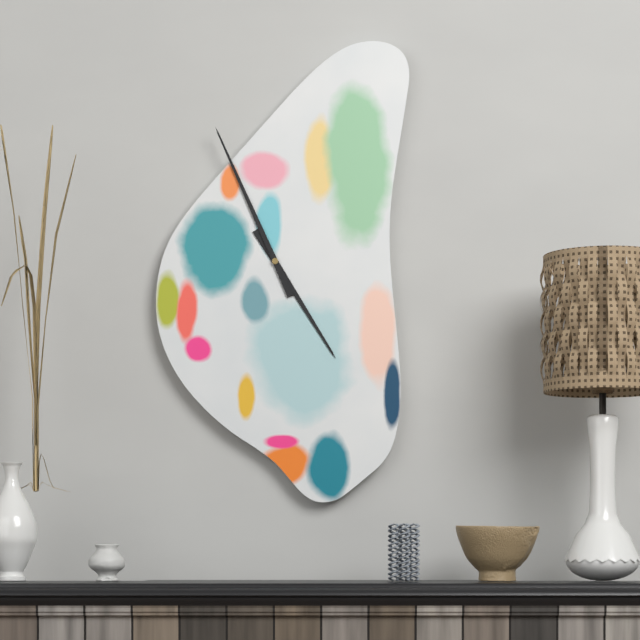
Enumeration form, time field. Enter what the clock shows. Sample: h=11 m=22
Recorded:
h=4 m=56
